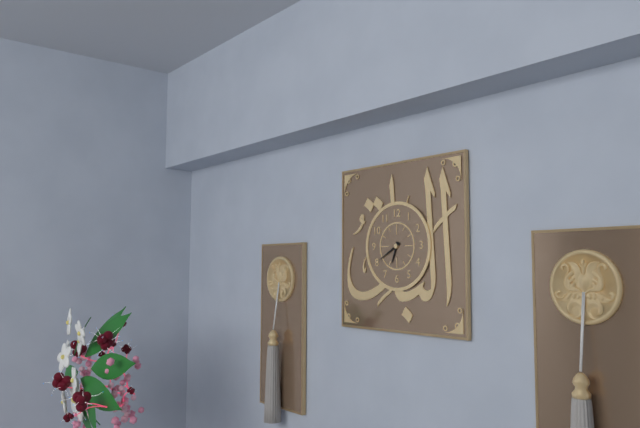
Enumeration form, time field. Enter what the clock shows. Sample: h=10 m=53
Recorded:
h=6 m=40
